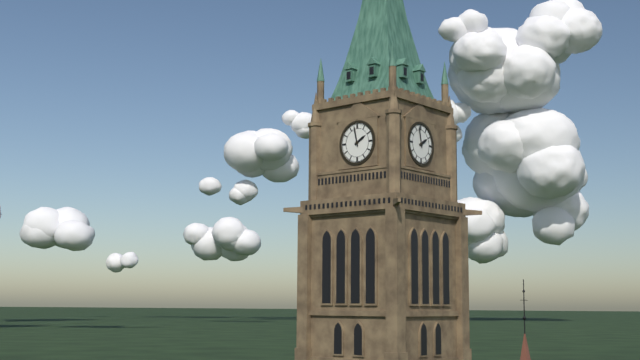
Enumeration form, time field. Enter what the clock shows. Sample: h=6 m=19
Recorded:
h=1 m=58
